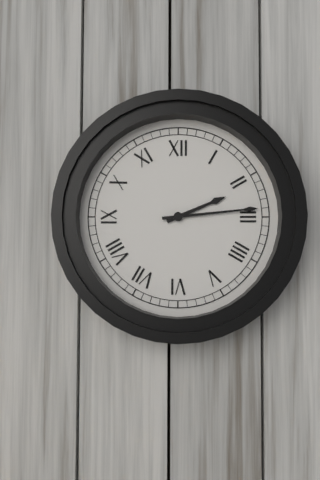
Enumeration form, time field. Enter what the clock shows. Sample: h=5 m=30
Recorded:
h=2 m=14
